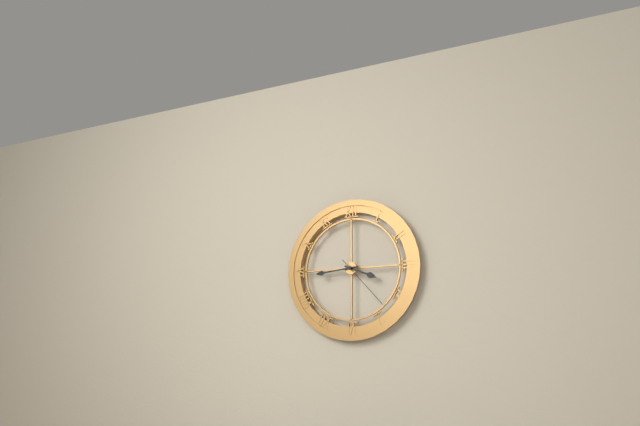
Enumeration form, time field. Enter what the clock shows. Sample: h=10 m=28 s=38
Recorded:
h=3 m=44 s=23
